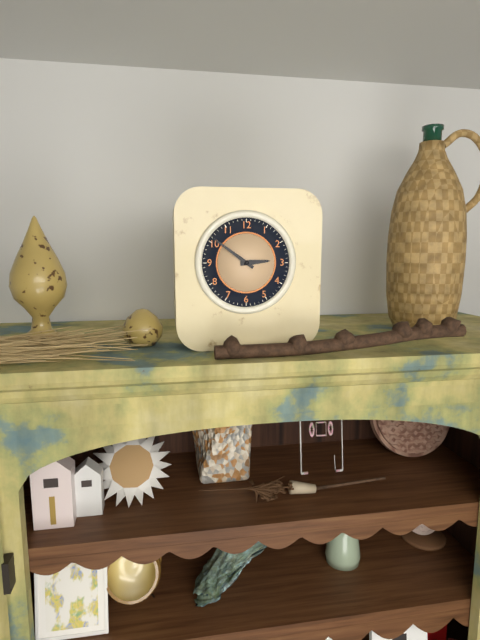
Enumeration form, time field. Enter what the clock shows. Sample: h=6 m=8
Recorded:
h=2 m=51
